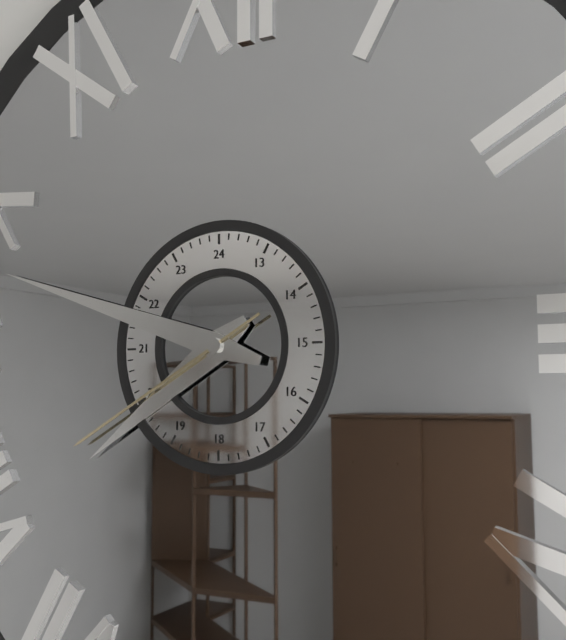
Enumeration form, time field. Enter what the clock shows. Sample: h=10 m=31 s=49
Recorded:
h=7 m=48 s=40
